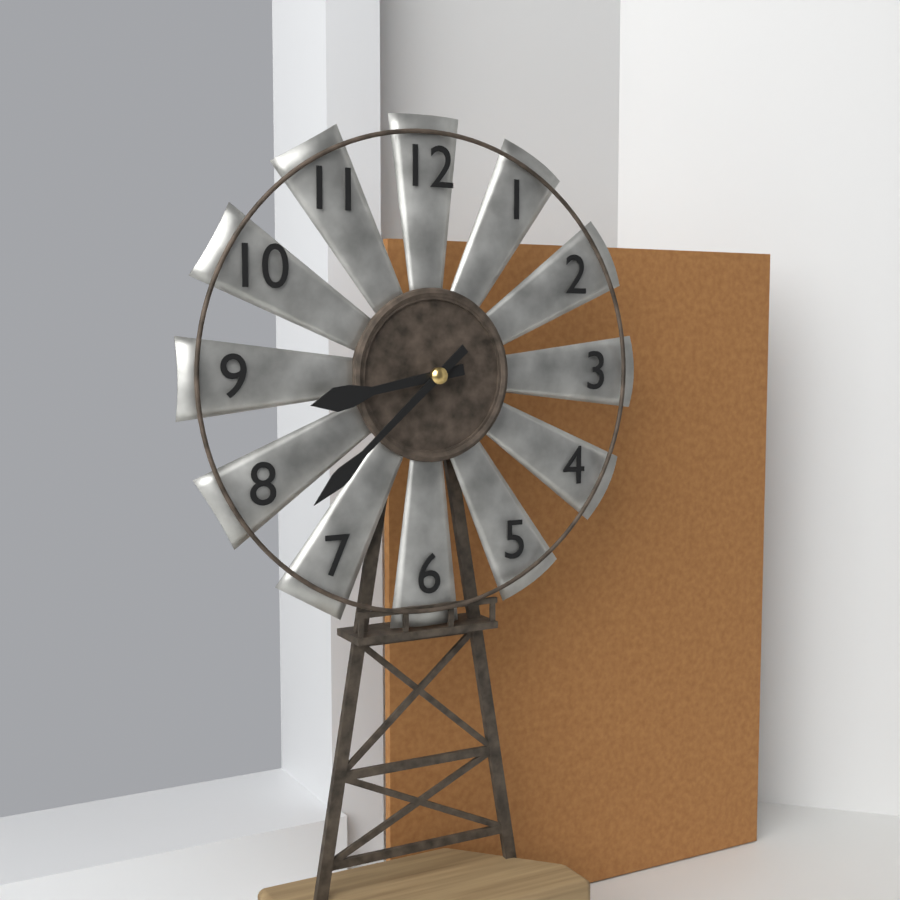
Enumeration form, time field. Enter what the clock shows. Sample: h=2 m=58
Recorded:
h=8 m=38
